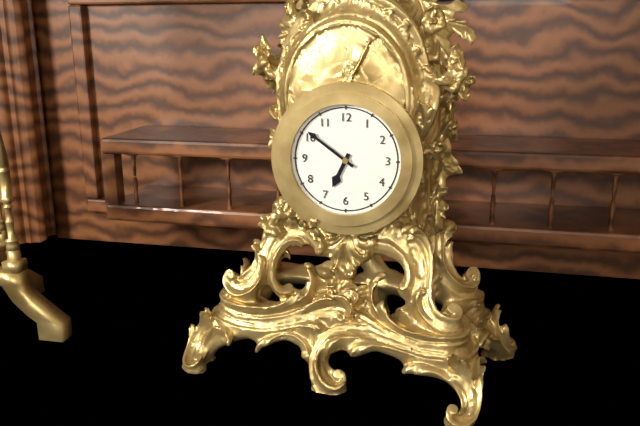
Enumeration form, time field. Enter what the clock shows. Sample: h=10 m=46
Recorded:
h=6 m=51
